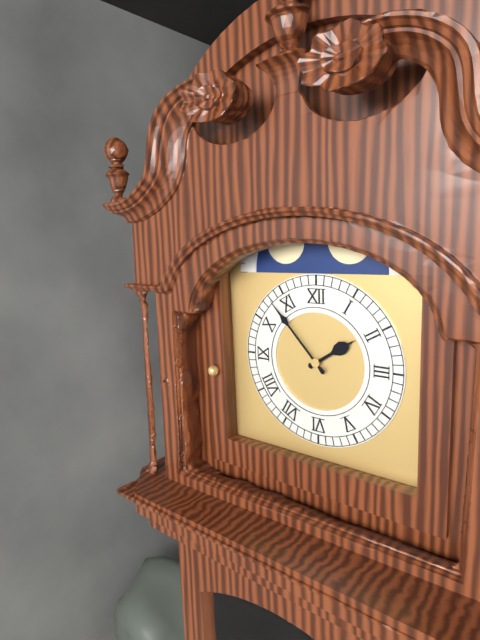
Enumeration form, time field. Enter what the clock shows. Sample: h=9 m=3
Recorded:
h=1 m=53
